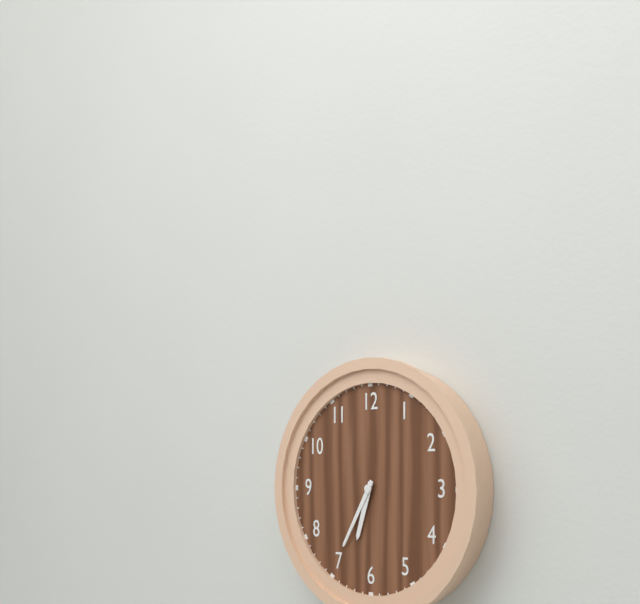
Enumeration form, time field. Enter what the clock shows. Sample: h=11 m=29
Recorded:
h=6 m=35
